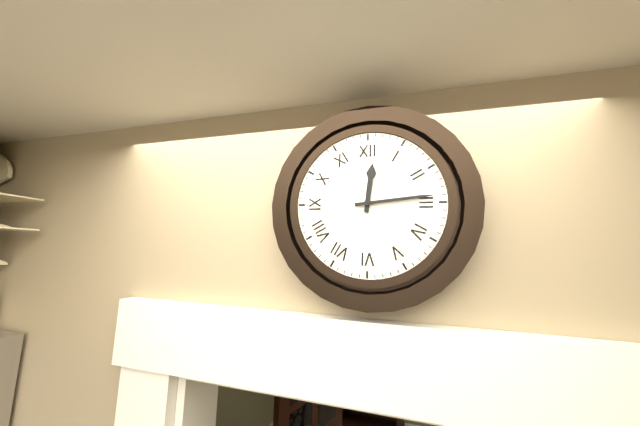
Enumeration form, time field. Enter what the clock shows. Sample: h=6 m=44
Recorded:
h=12 m=14
